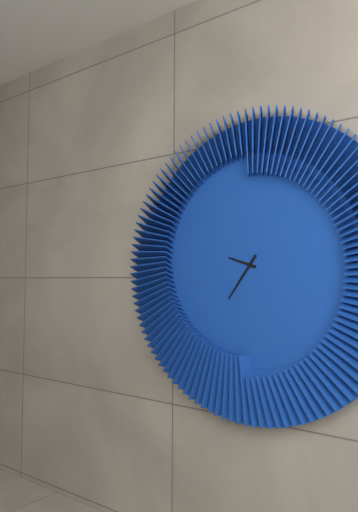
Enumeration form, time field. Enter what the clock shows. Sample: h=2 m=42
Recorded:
h=9 m=36
